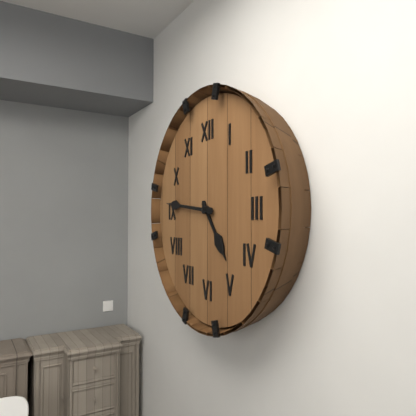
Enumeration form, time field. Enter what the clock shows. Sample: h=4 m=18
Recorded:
h=4 m=46
